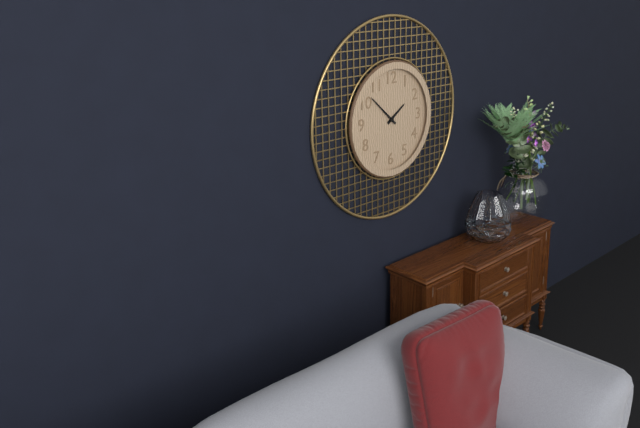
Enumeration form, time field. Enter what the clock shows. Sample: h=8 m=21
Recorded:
h=1 m=52
